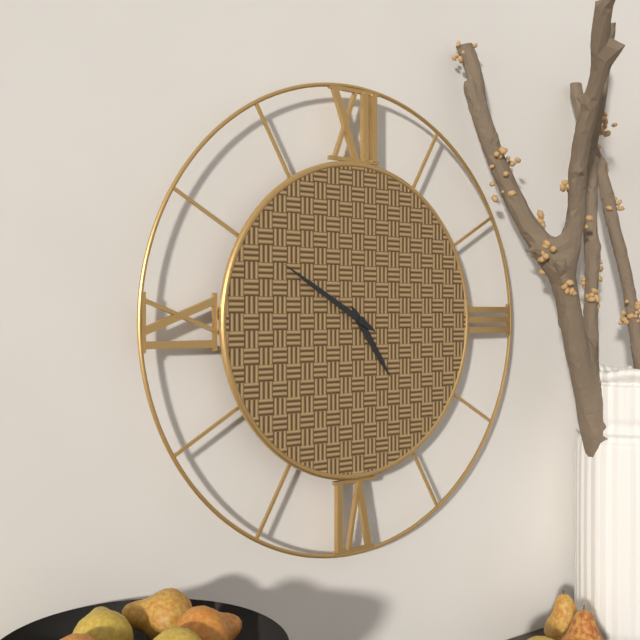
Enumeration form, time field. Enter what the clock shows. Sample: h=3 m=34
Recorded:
h=4 m=50
